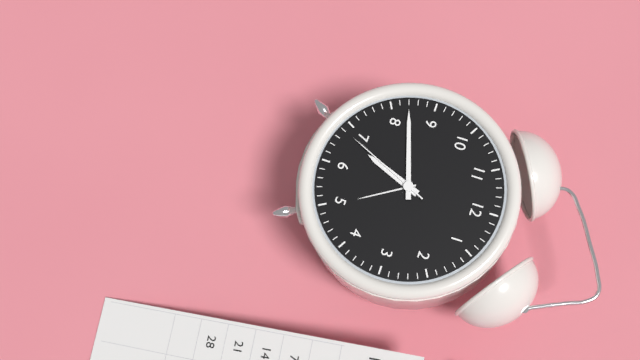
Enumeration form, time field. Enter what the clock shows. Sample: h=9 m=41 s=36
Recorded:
h=6 m=42 s=34
